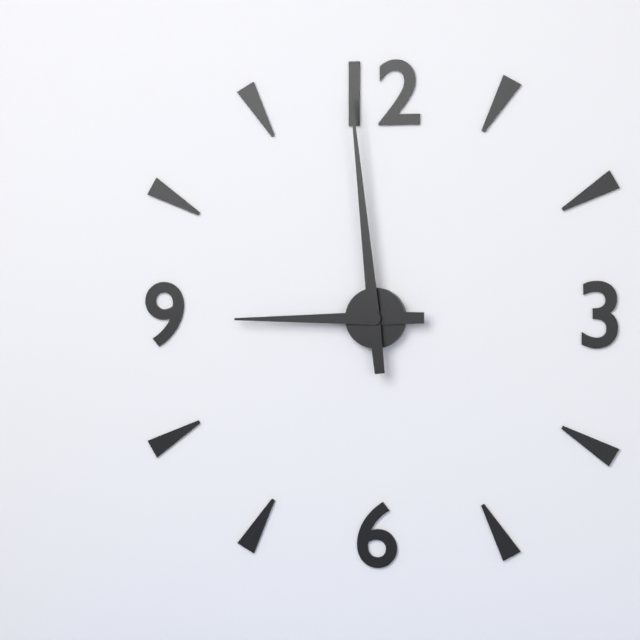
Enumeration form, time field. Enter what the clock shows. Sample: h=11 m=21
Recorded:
h=8 m=59
